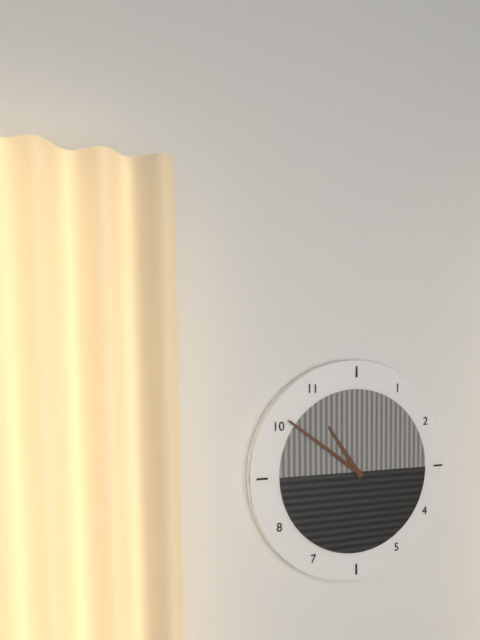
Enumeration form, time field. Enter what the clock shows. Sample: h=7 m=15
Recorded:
h=10 m=51
